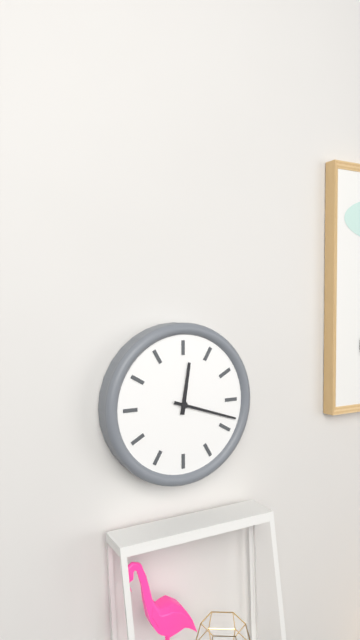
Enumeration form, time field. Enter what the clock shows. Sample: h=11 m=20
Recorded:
h=12 m=18
